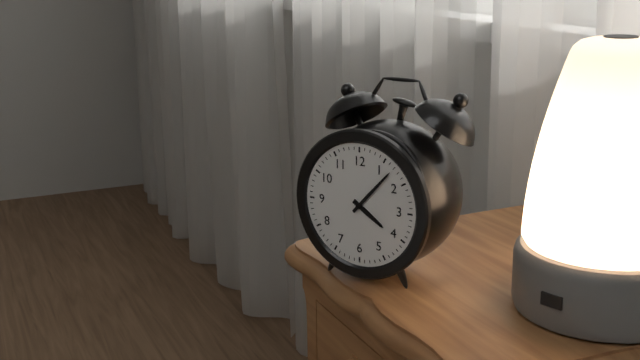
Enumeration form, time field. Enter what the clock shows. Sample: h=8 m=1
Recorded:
h=4 m=7
